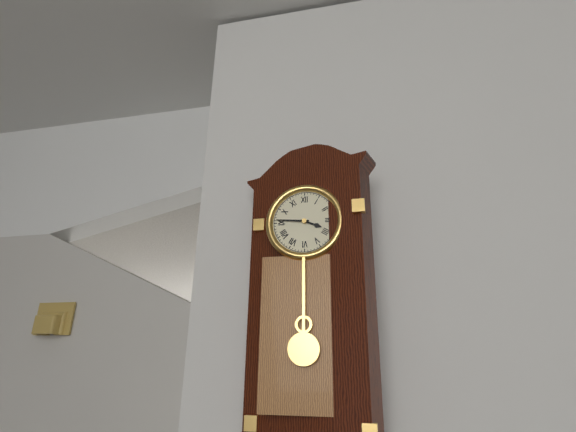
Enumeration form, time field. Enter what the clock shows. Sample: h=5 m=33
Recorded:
h=3 m=46
